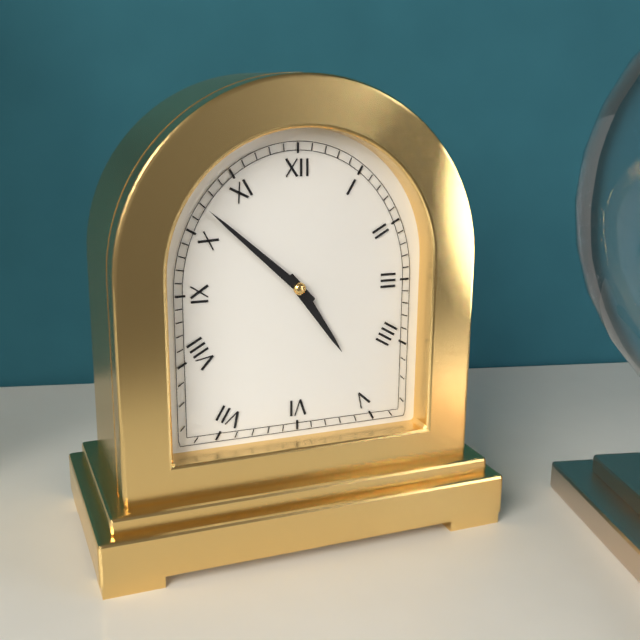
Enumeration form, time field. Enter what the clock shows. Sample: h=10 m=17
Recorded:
h=4 m=52
